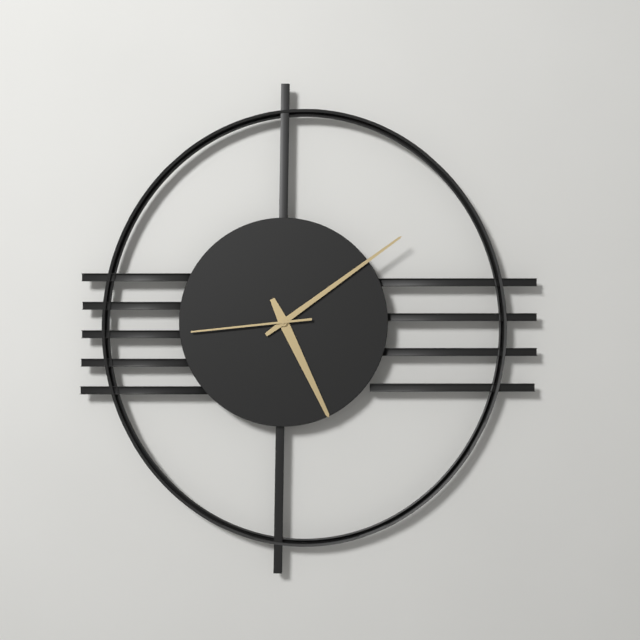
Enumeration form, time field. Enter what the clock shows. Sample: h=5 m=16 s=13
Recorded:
h=5 m=9 s=44
